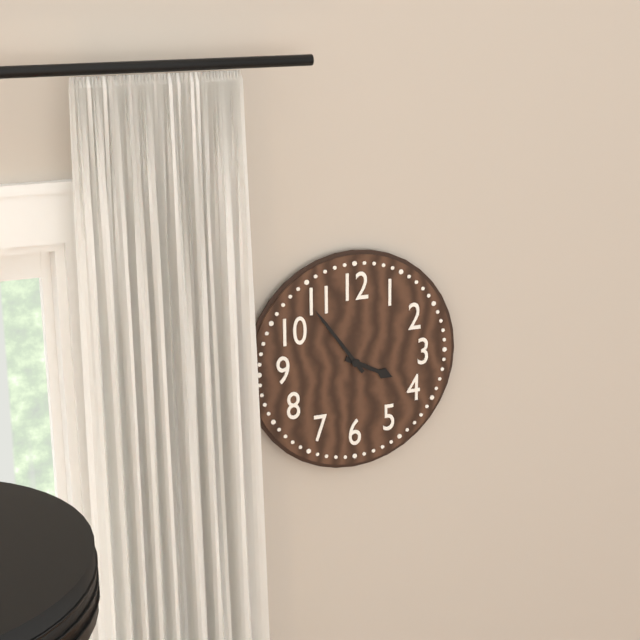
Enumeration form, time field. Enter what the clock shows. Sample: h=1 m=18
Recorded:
h=3 m=54
